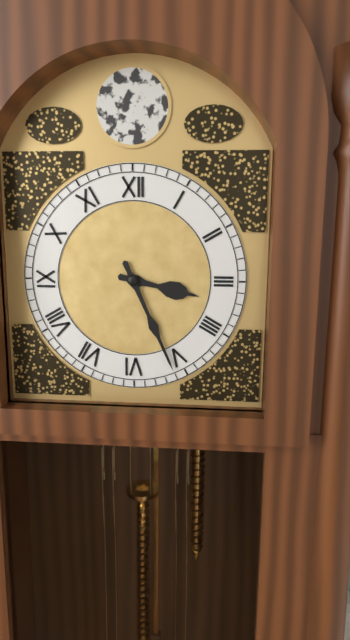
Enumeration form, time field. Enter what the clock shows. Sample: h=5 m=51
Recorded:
h=3 m=26
